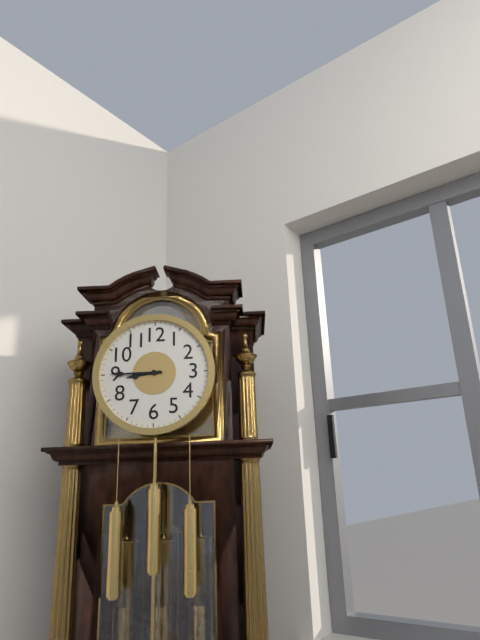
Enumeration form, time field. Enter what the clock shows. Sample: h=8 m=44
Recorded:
h=8 m=45
